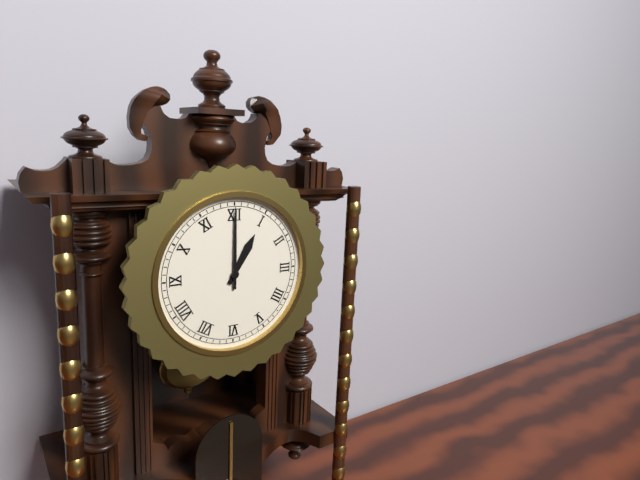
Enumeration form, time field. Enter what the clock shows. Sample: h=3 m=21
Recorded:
h=1 m=0
